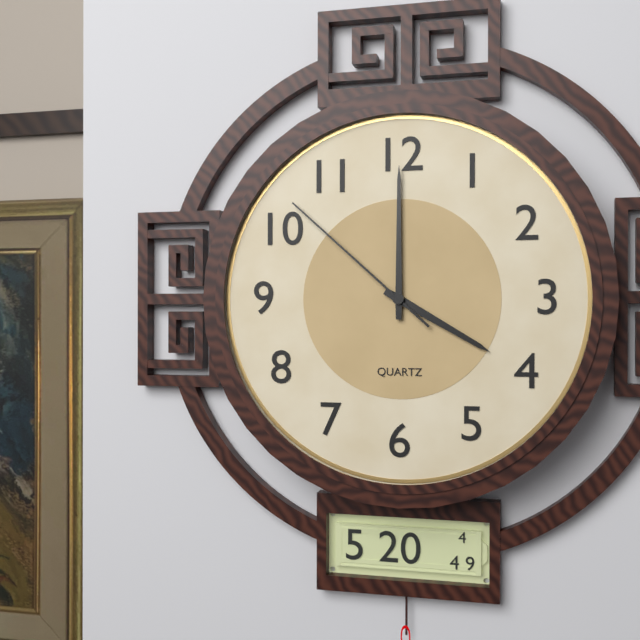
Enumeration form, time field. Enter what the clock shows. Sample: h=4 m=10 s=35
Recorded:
h=4 m=0 s=52
